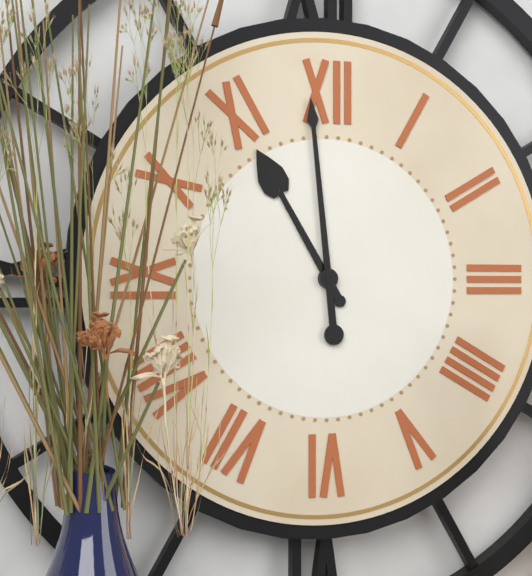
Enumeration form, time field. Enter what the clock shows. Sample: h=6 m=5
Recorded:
h=10 m=59
